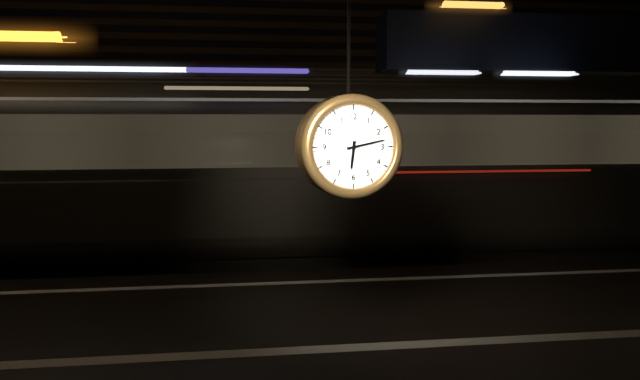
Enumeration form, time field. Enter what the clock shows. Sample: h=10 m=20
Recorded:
h=6 m=13
